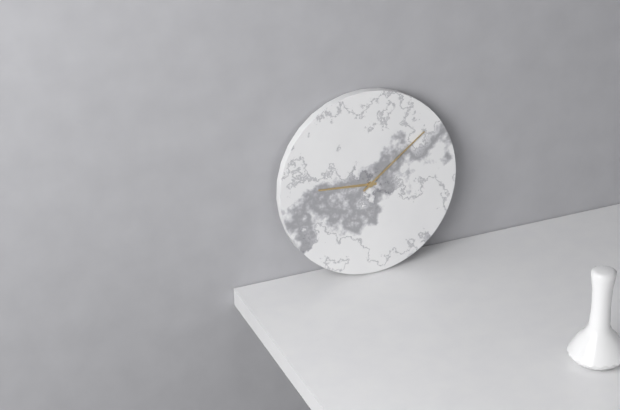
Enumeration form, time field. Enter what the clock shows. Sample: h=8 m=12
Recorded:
h=9 m=9
